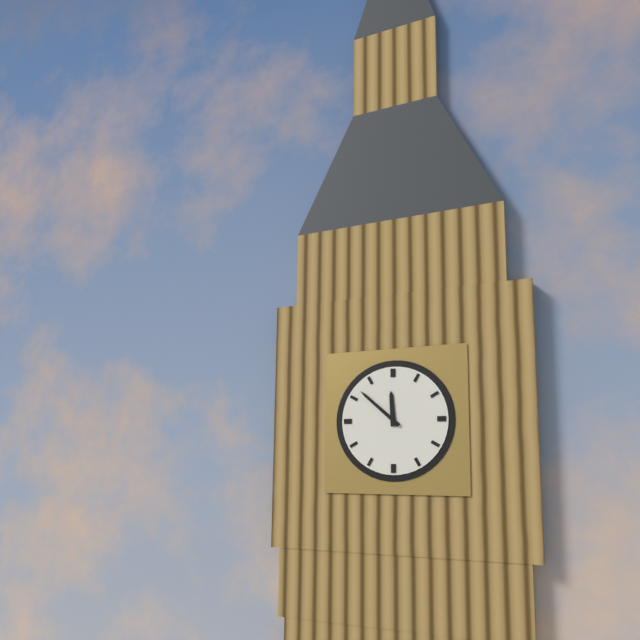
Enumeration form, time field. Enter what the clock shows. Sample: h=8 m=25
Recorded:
h=11 m=52
